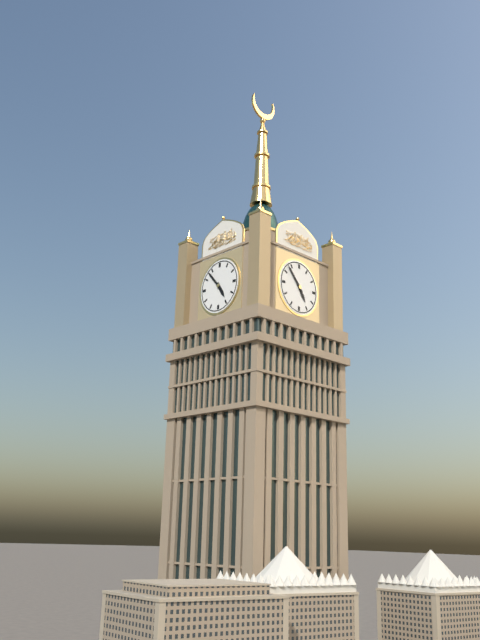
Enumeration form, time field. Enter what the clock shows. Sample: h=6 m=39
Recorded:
h=4 m=53
